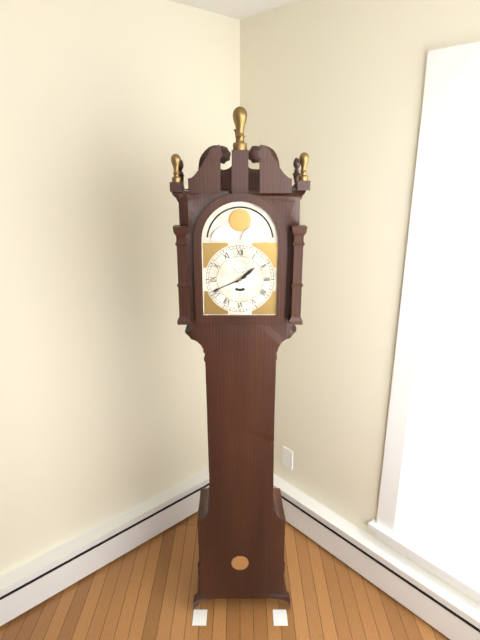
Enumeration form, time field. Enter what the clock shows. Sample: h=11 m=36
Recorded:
h=1 m=41
